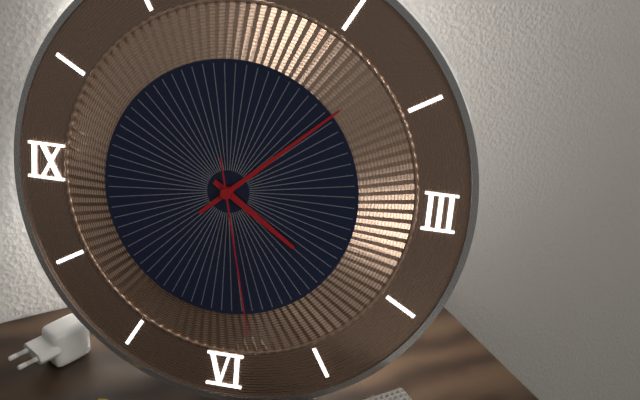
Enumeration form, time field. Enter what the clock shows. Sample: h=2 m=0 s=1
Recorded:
h=4 m=8 s=28
